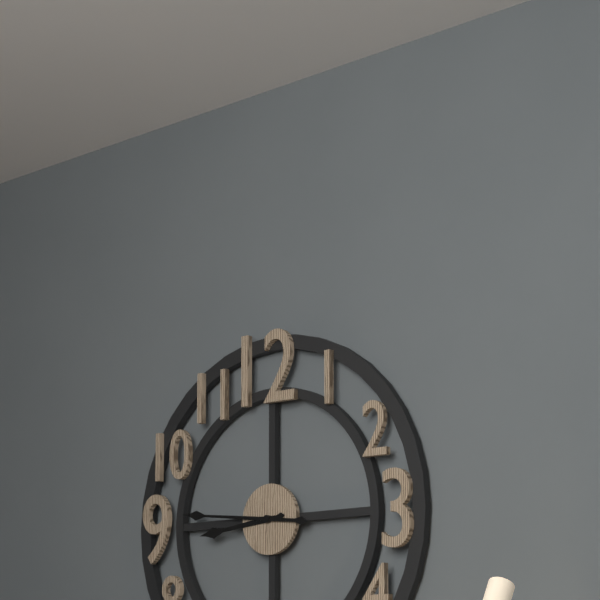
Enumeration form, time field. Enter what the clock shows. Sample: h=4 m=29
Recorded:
h=8 m=46
